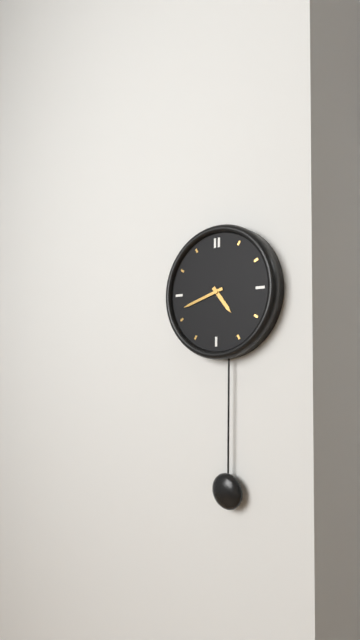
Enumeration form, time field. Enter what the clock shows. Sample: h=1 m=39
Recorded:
h=4 m=42
